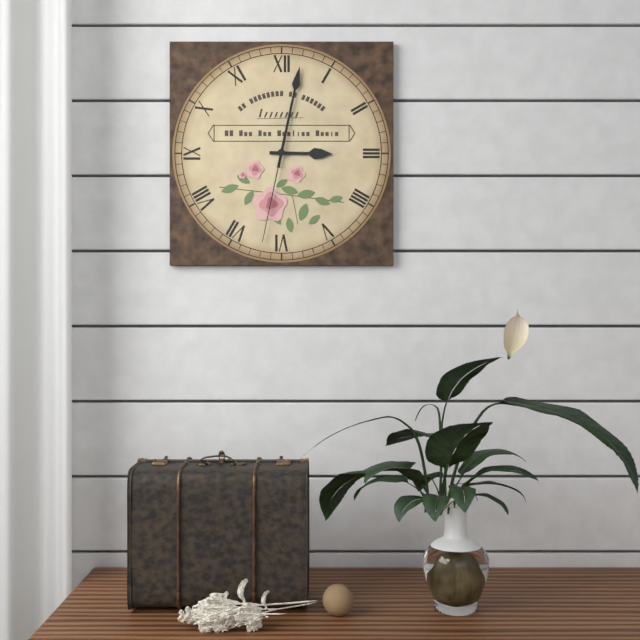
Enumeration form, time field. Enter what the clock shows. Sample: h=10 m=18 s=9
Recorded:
h=3 m=2 s=32
